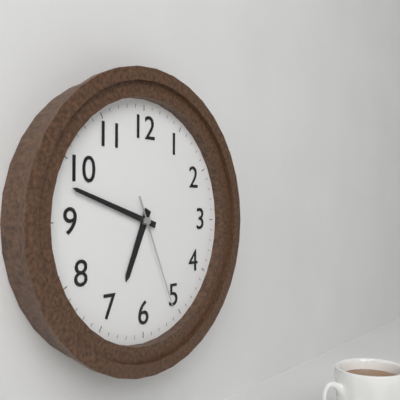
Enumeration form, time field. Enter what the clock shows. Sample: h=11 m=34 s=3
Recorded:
h=6 m=48 s=26
